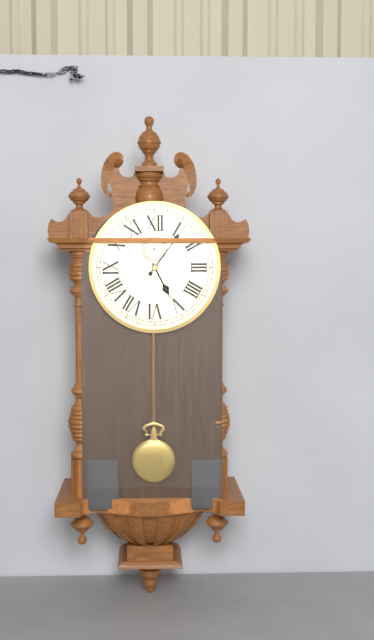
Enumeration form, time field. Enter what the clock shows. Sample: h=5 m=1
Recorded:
h=5 m=6
